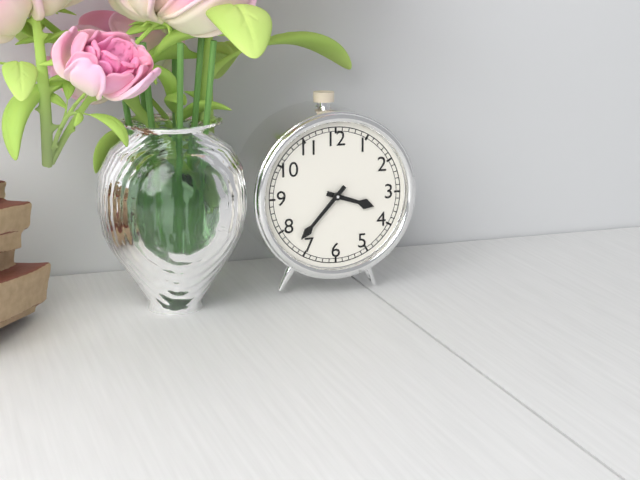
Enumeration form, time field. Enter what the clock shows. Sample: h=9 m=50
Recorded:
h=3 m=37
